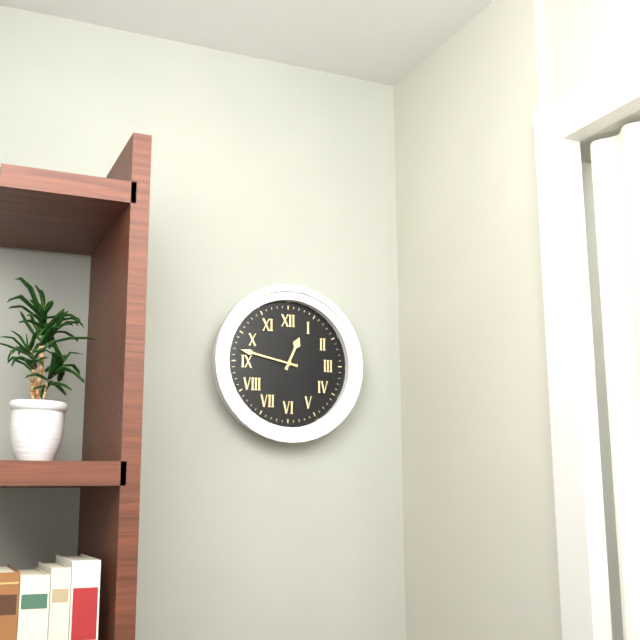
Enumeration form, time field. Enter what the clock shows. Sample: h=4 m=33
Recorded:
h=12 m=47
